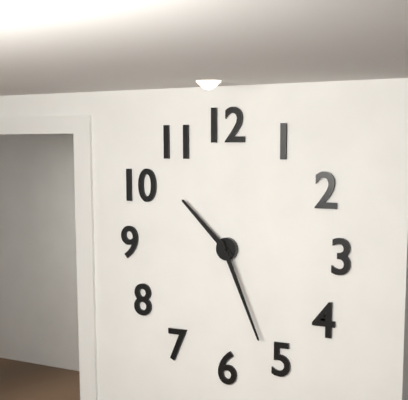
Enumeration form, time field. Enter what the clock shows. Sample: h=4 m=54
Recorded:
h=10 m=26
